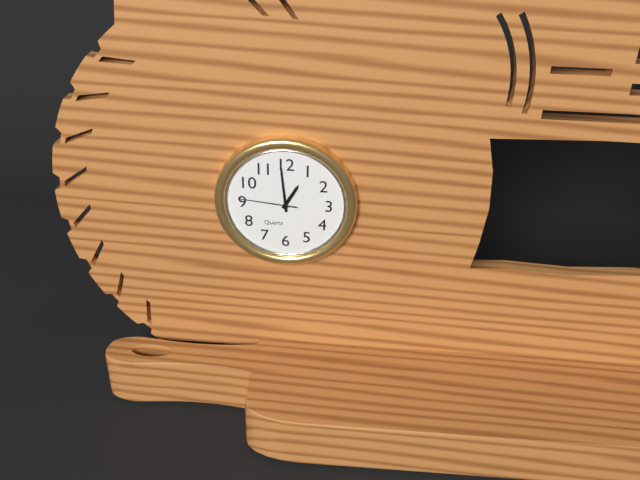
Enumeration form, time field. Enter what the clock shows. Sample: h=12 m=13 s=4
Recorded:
h=12 m=59 s=46
